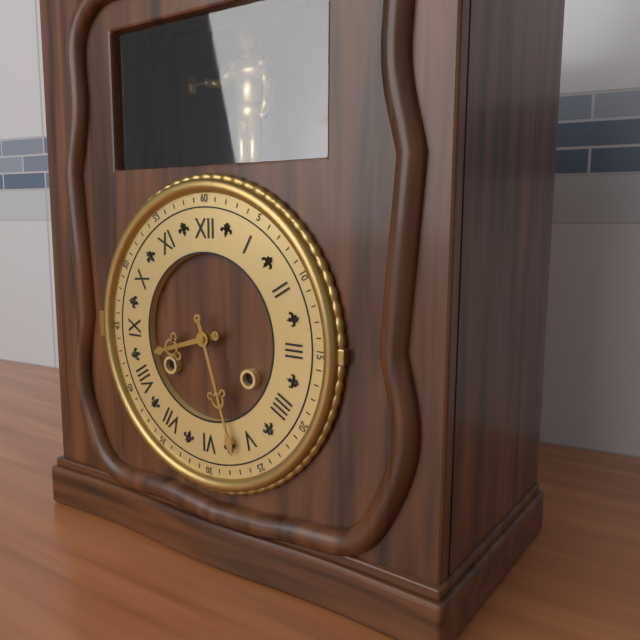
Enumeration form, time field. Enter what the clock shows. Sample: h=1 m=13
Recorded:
h=8 m=27
